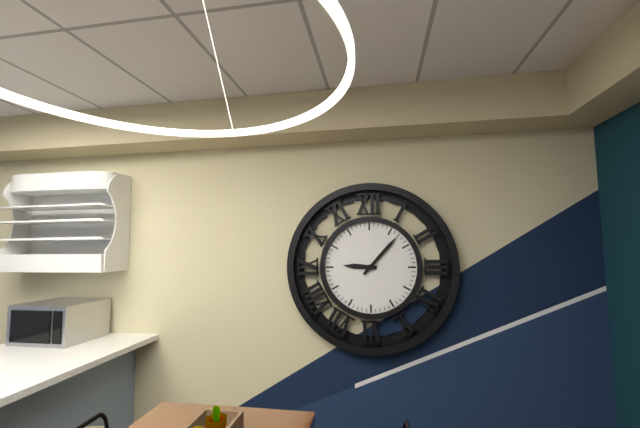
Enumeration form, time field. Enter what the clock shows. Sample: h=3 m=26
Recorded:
h=9 m=7
